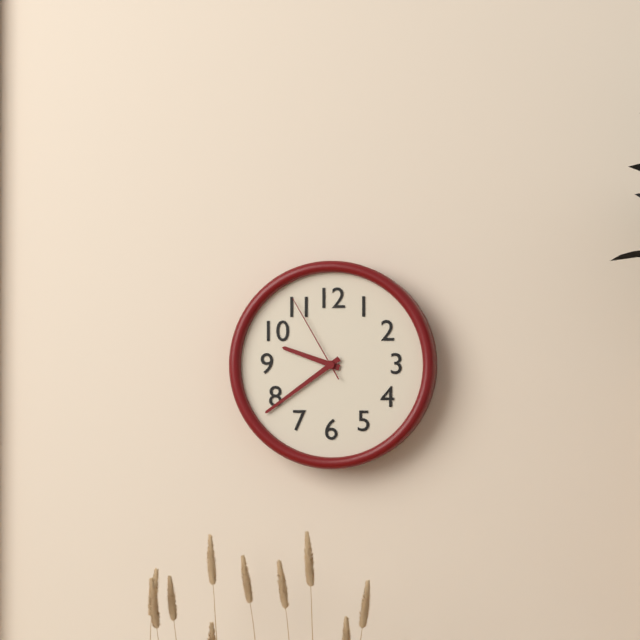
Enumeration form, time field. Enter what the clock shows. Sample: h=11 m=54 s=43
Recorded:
h=9 m=39 s=55
